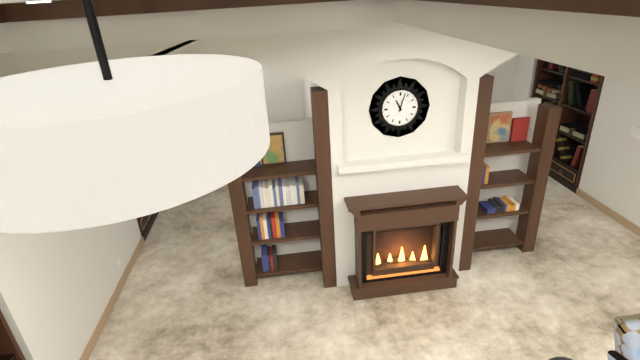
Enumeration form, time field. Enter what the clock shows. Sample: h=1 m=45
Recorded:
h=11 m=3
